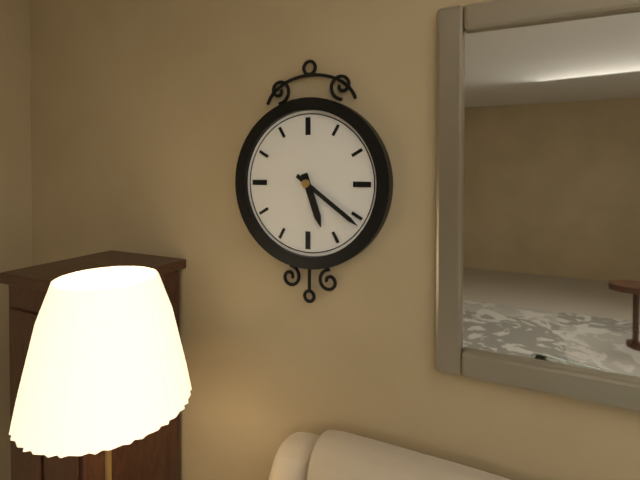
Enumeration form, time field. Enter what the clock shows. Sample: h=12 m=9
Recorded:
h=5 m=21
